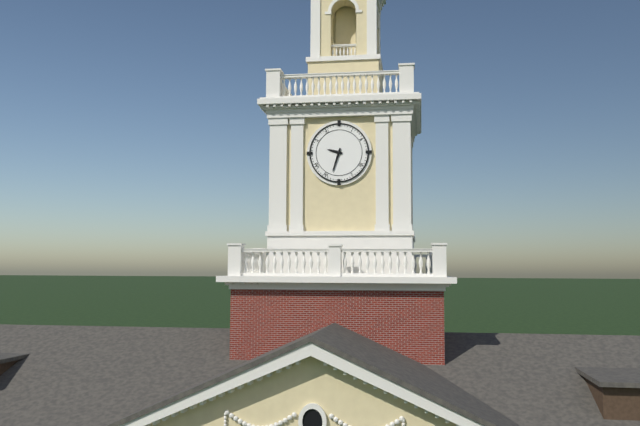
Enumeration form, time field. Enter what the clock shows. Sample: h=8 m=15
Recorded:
h=9 m=33
